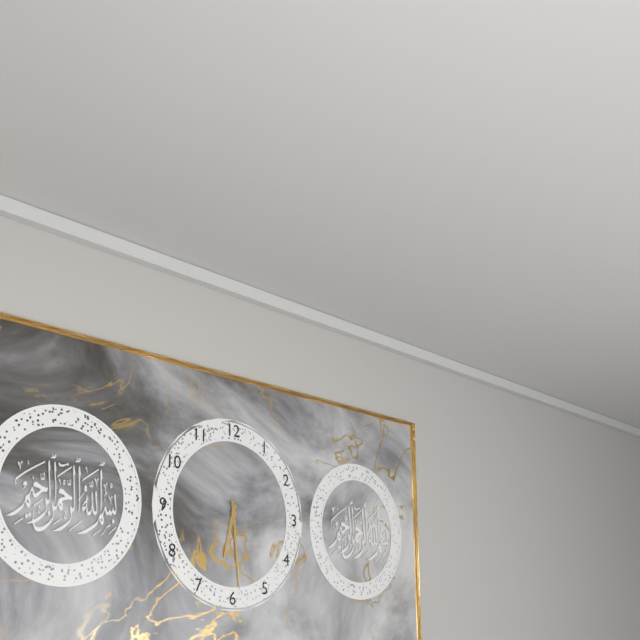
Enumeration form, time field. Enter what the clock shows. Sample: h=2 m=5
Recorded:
h=6 m=29
